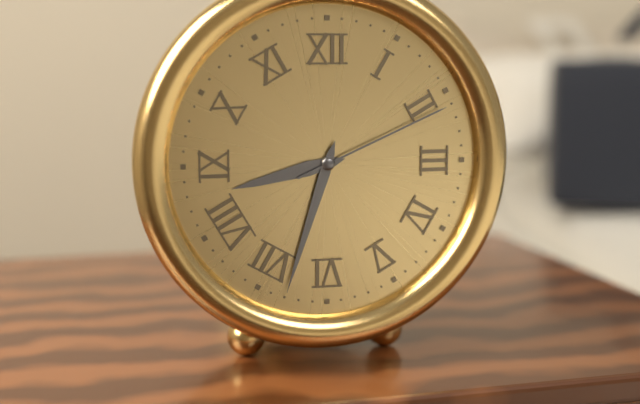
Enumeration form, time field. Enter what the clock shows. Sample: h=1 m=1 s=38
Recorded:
h=8 m=33 s=11
